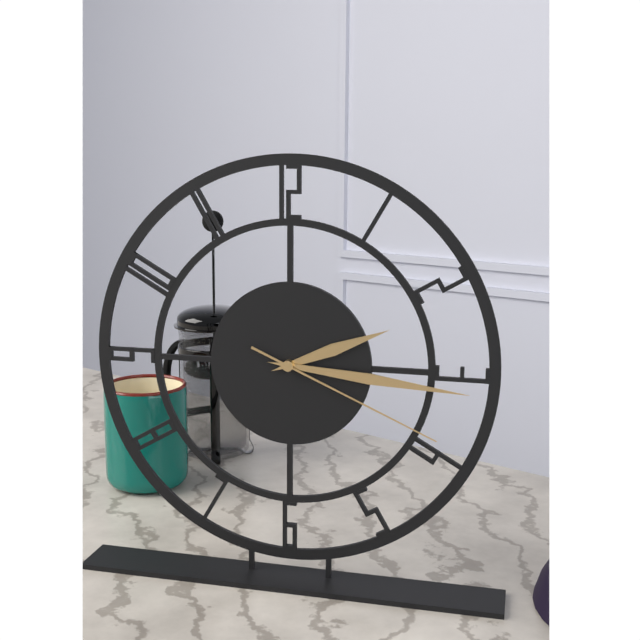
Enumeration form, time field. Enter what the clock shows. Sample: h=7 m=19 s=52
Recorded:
h=2 m=16 s=19
